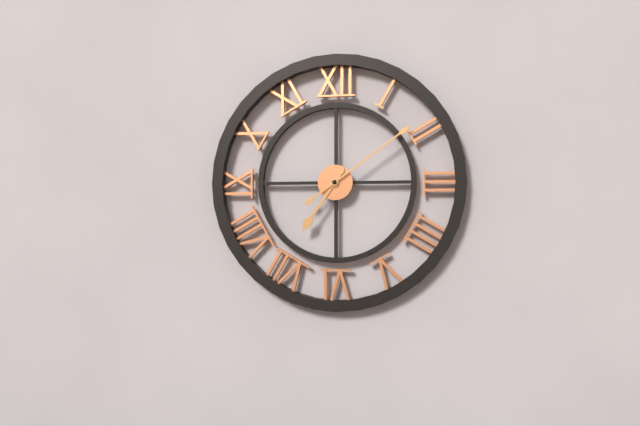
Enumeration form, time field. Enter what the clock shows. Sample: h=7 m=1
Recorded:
h=7 m=9
